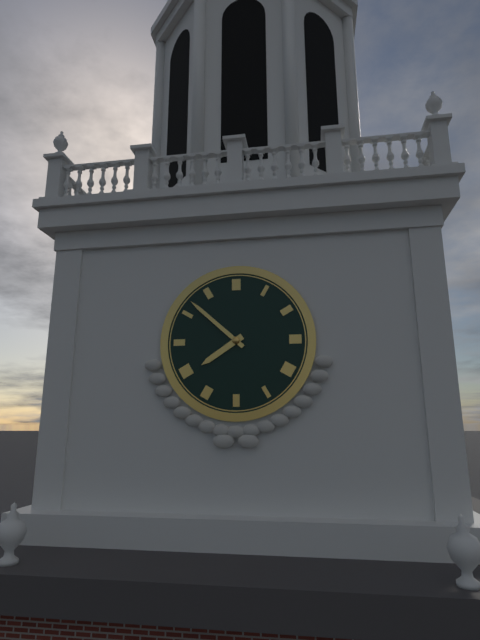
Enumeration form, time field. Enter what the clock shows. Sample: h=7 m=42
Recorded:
h=7 m=52
